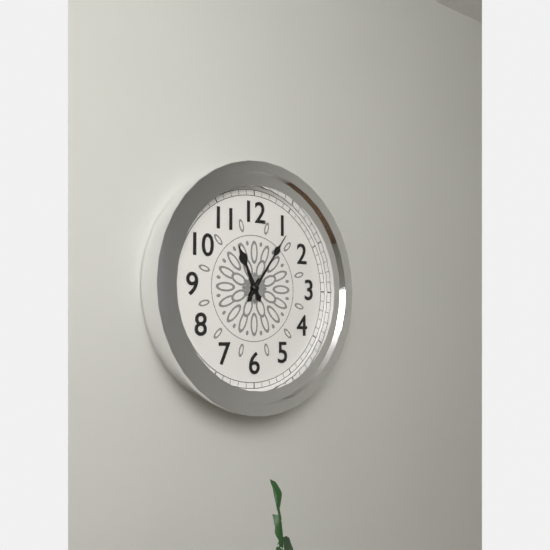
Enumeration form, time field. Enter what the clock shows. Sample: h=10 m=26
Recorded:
h=11 m=6
